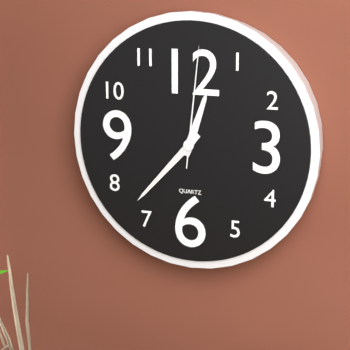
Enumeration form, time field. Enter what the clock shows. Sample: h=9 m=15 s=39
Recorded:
h=12 m=37 s=1
